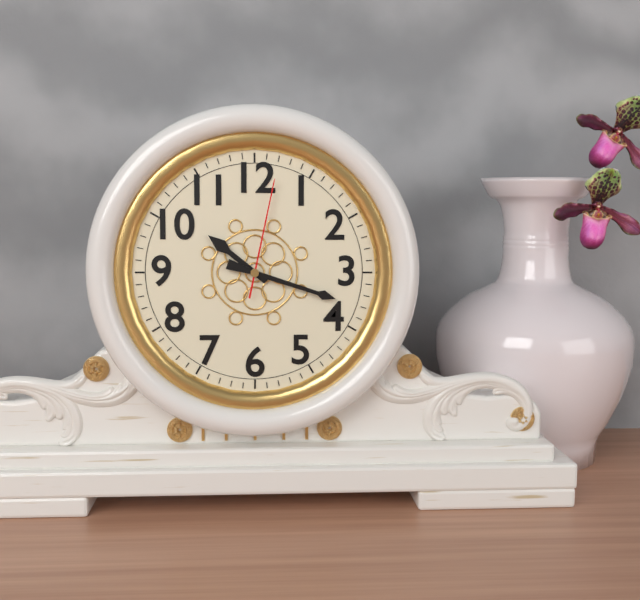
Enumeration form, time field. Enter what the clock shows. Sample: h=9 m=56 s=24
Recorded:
h=10 m=18 s=2
